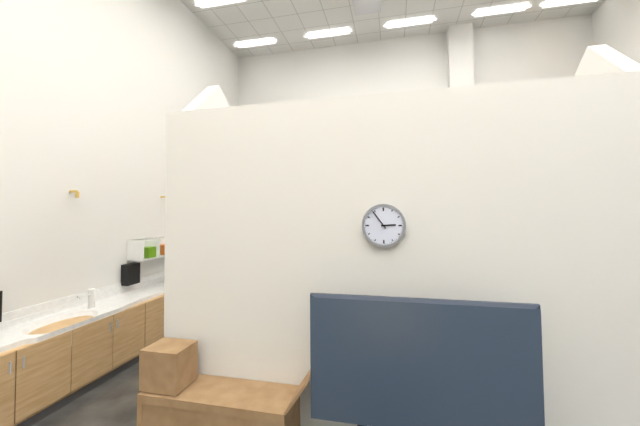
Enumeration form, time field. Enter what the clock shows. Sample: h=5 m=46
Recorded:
h=2 m=54
